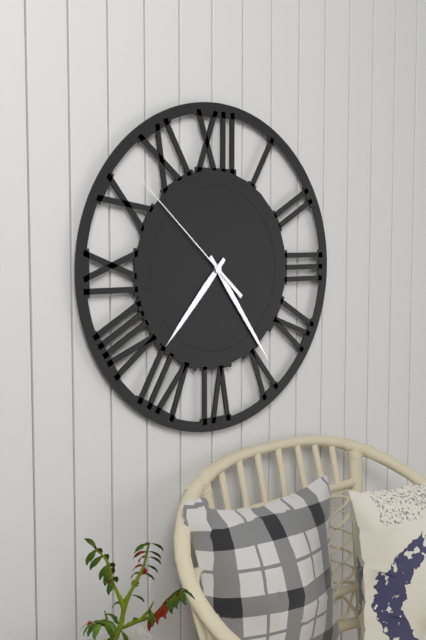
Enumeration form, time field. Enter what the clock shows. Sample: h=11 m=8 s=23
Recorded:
h=7 m=24 s=52
